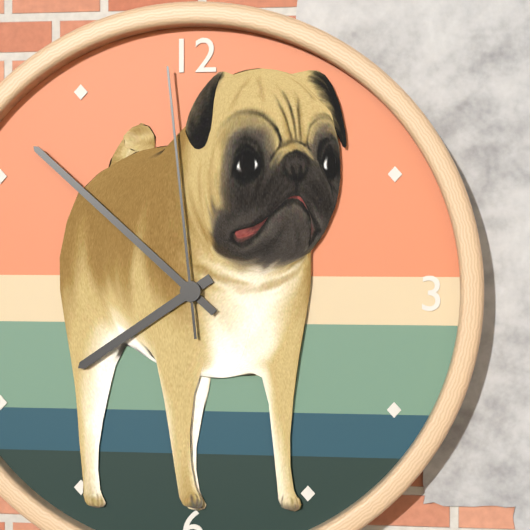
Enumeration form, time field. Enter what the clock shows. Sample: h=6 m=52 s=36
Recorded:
h=7 m=52 s=59
